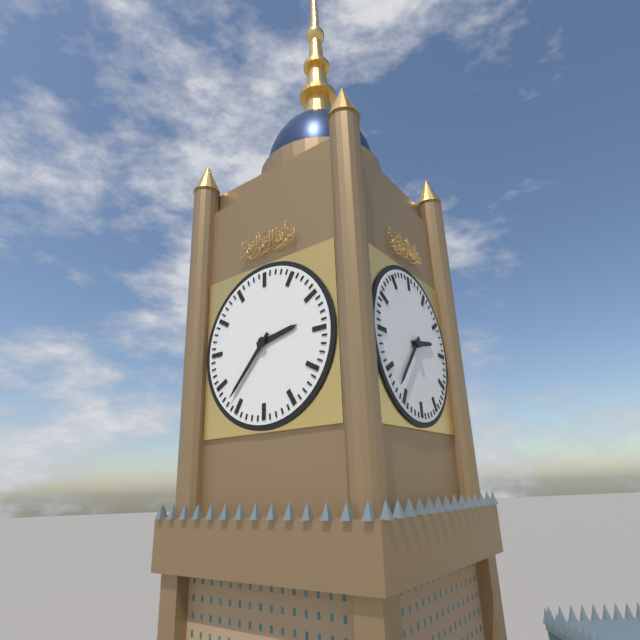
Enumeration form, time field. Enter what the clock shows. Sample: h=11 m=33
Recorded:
h=2 m=37
